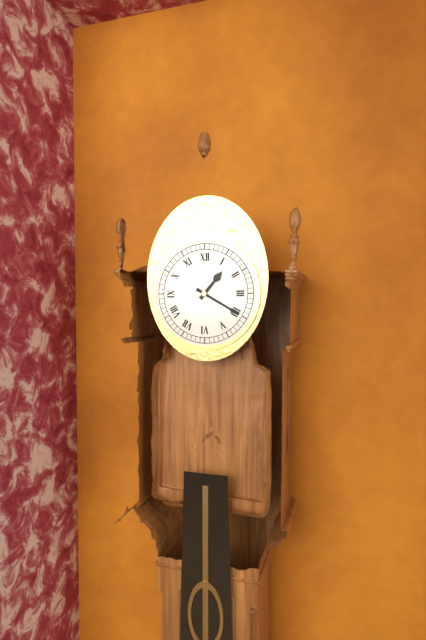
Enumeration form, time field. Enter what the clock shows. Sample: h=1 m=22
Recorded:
h=1 m=20
